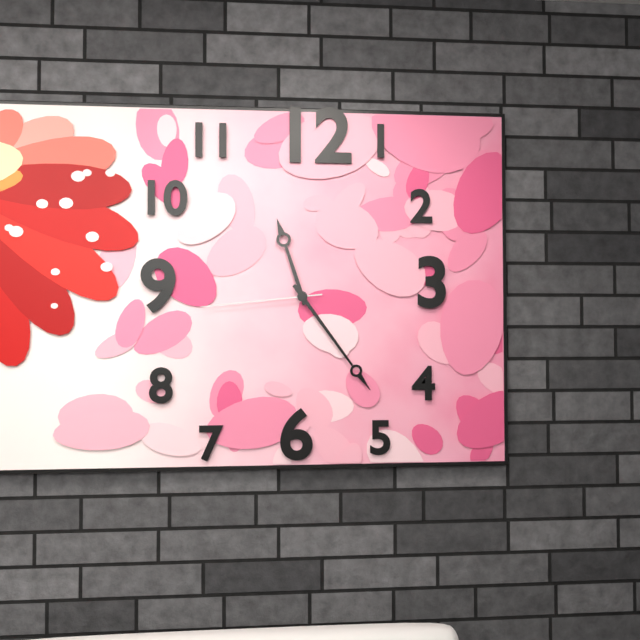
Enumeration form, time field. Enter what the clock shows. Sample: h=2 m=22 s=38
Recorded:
h=11 m=24 s=44
